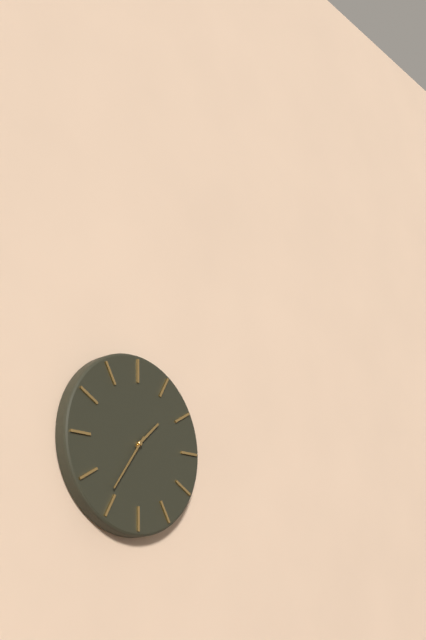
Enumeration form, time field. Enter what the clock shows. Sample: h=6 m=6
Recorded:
h=1 m=36
